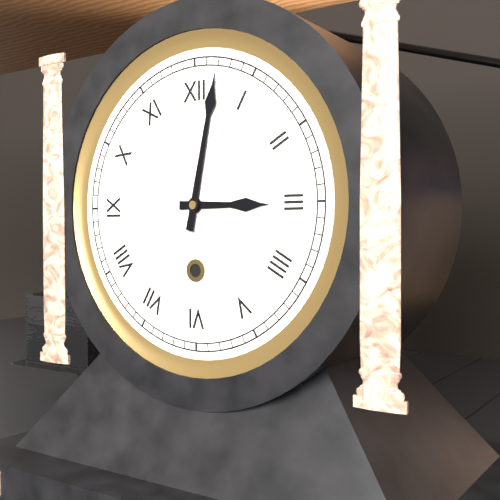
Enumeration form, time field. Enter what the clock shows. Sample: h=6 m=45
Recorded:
h=3 m=2
